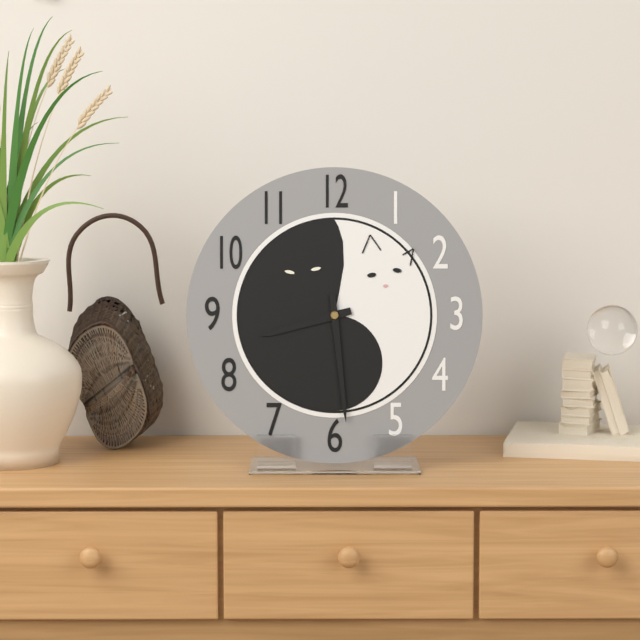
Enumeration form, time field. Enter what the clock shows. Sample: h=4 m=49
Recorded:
h=8 m=29
